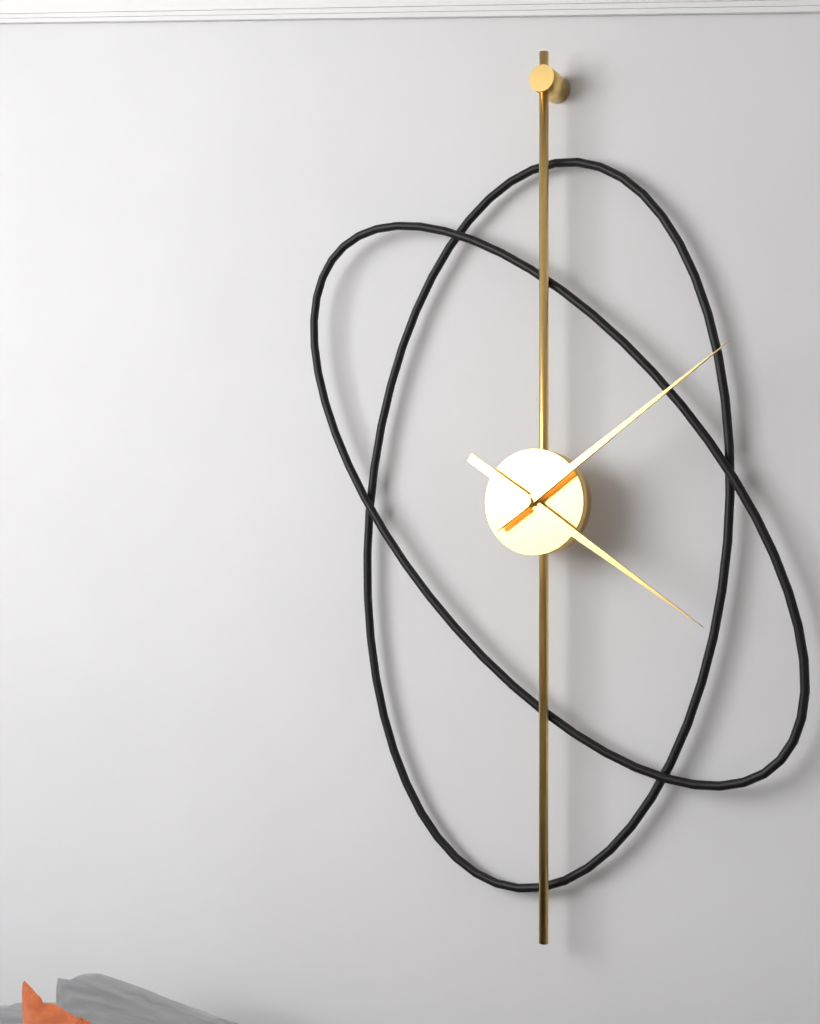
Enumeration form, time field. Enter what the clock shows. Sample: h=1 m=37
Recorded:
h=4 m=9
